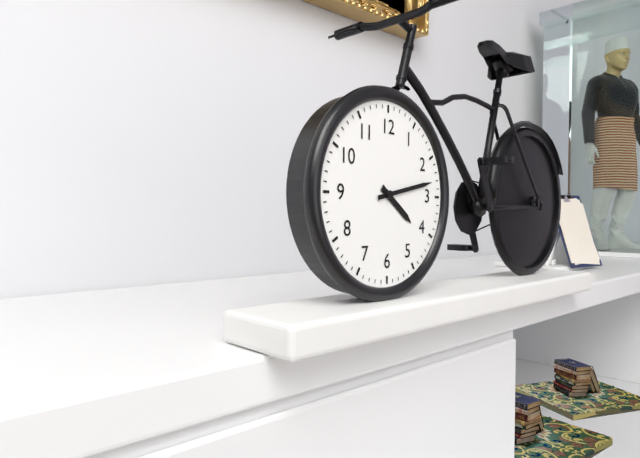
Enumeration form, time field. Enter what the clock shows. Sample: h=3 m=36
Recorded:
h=4 m=13
